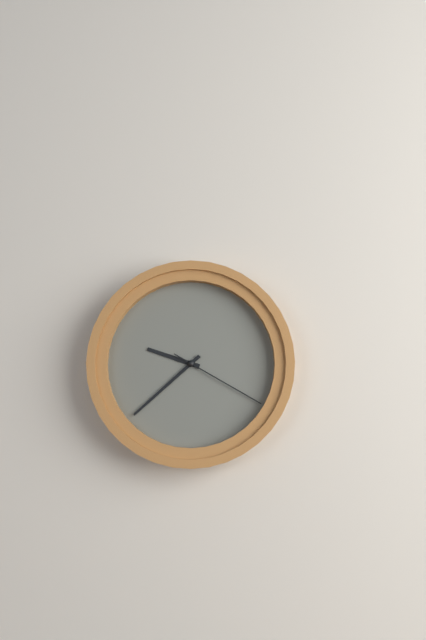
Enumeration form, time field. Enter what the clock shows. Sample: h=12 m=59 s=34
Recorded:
h=9 m=38 s=20
